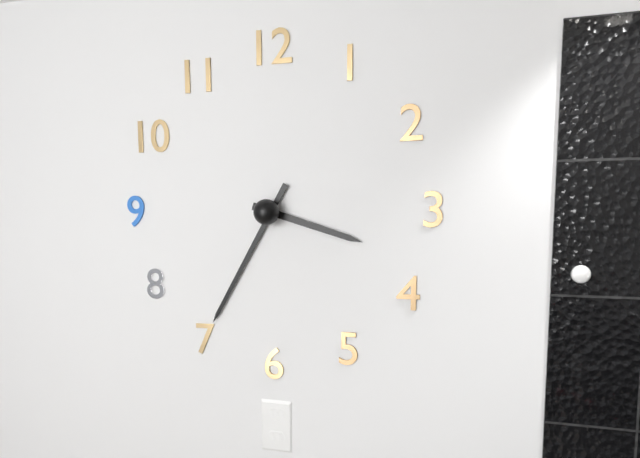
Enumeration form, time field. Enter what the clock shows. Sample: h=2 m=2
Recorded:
h=3 m=35
